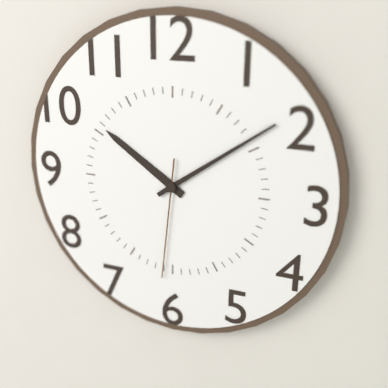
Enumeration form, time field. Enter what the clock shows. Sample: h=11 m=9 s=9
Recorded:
h=10 m=9 s=31
